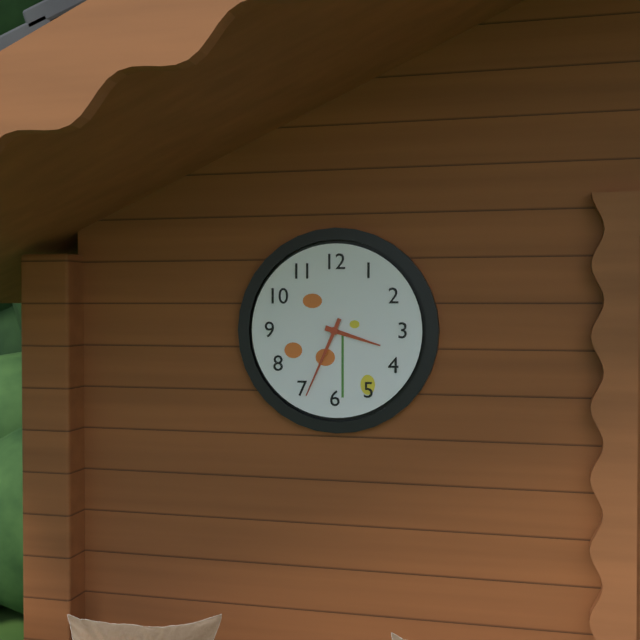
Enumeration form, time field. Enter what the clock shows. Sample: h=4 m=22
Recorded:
h=3 m=34
